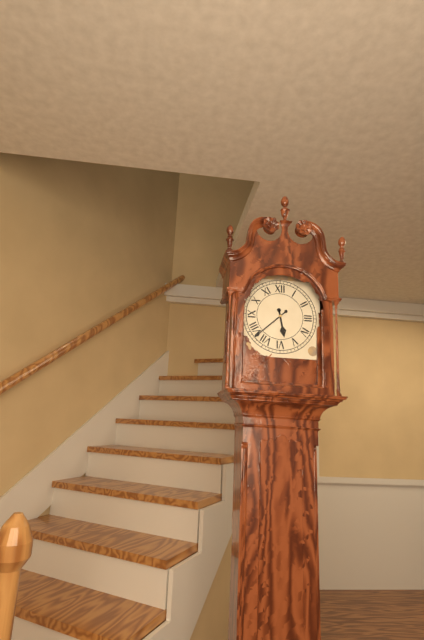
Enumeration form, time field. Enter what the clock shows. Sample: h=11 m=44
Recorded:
h=5 m=38
